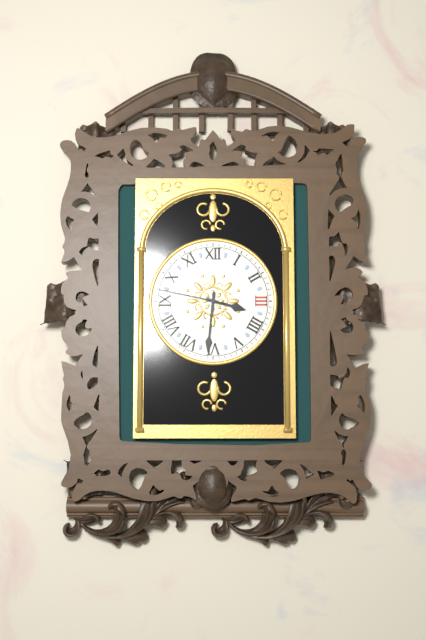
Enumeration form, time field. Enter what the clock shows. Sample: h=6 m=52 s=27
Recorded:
h=3 m=31 s=47
